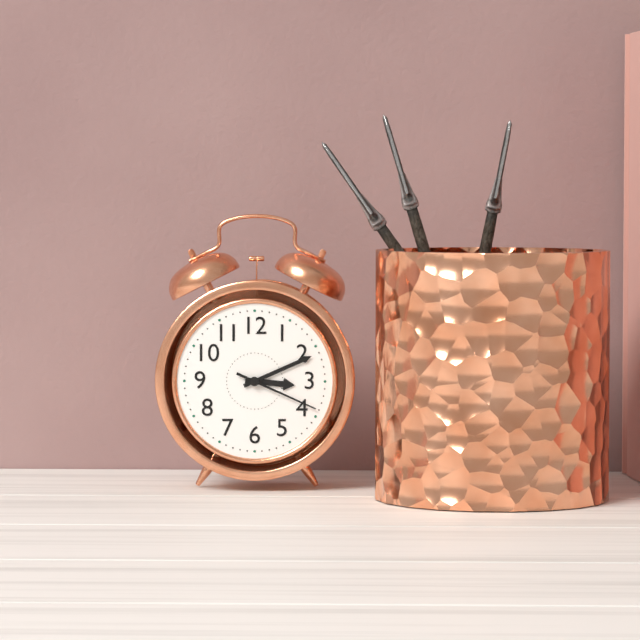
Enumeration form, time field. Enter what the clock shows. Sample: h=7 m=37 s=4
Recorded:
h=3 m=11 s=19
